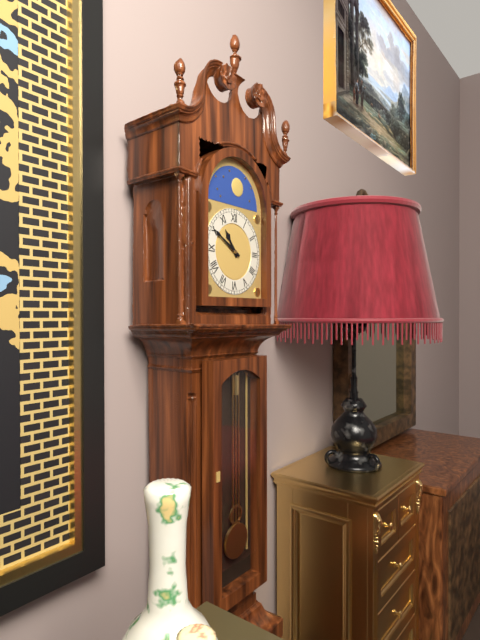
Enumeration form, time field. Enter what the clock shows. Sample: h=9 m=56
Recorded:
h=10 m=50
